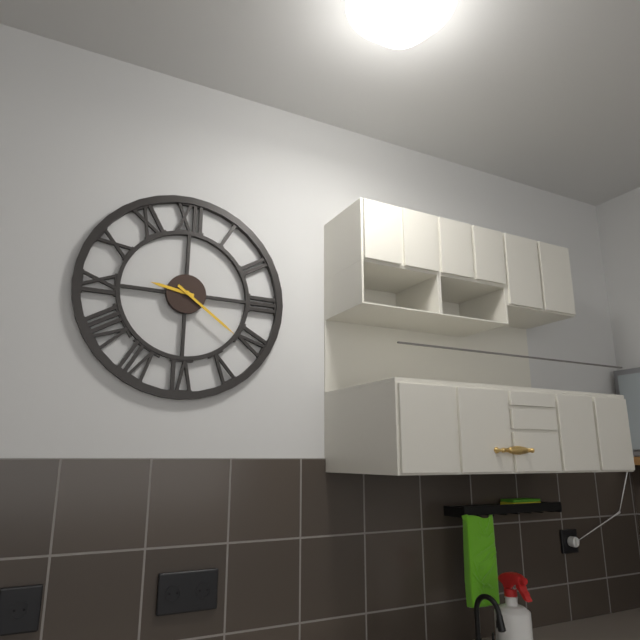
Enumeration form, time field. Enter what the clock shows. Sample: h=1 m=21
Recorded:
h=9 m=21
